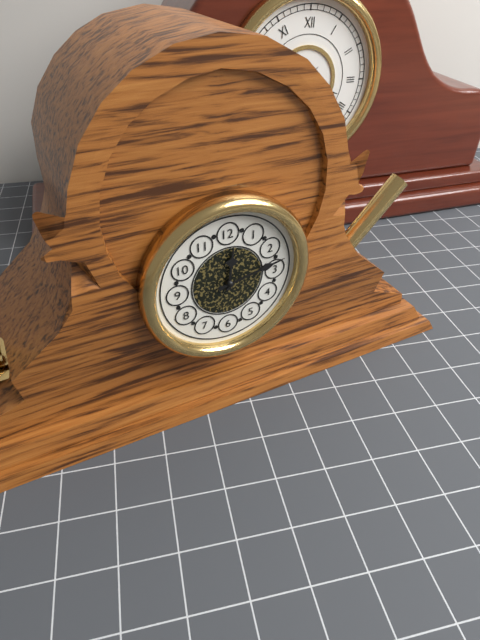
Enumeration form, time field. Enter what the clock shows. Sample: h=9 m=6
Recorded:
h=12 m=13
